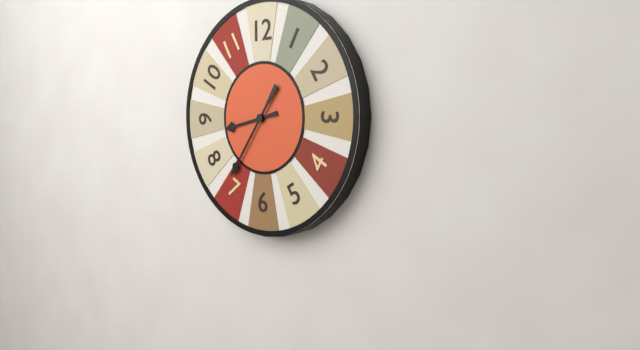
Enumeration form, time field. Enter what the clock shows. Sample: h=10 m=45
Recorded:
h=8 m=36
